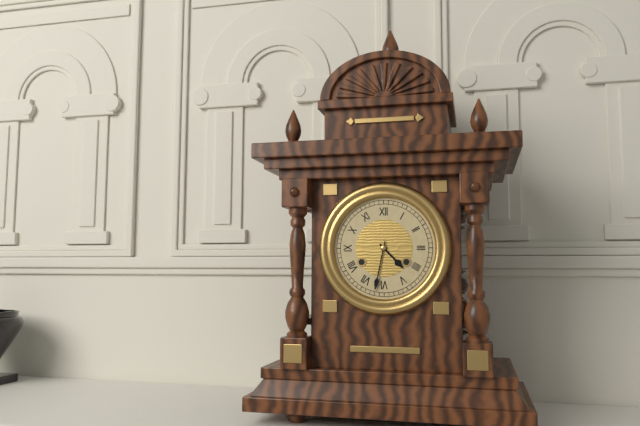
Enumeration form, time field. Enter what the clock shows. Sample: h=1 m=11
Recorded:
h=4 m=32
